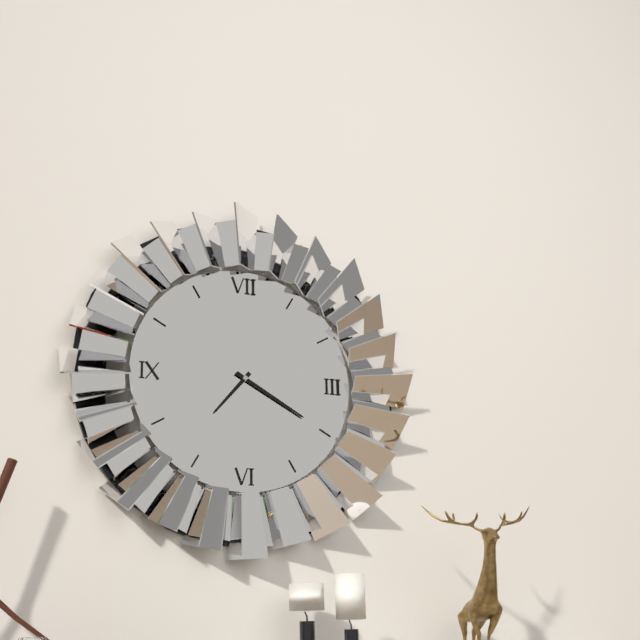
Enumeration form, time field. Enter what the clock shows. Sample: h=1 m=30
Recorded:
h=7 m=20
